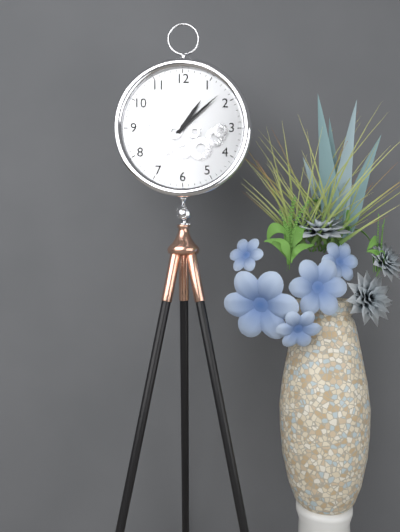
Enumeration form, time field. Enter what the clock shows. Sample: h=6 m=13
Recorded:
h=1 m=8
